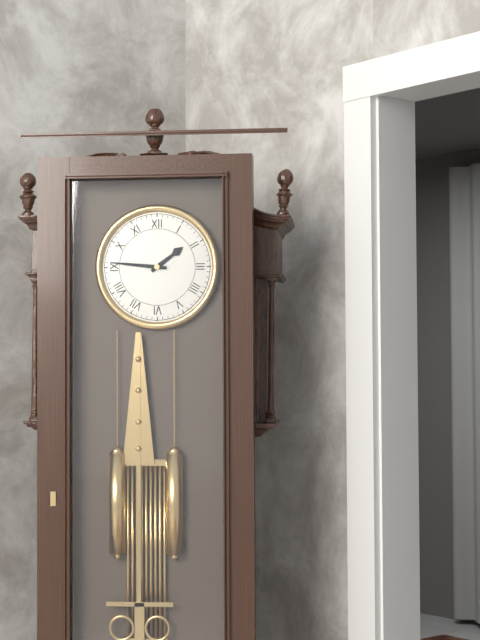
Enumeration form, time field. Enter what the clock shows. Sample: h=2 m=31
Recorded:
h=1 m=46
